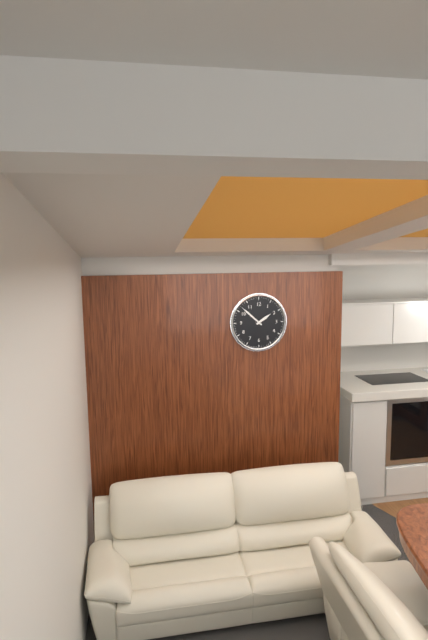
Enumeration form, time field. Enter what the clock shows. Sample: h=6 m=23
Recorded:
h=1 m=52
